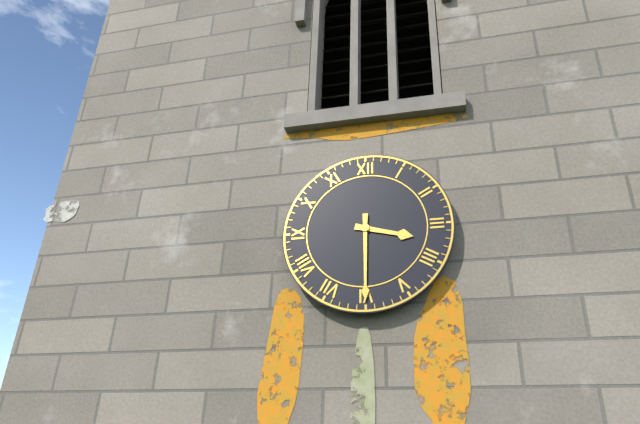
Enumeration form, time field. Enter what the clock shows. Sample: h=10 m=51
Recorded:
h=3 m=30
